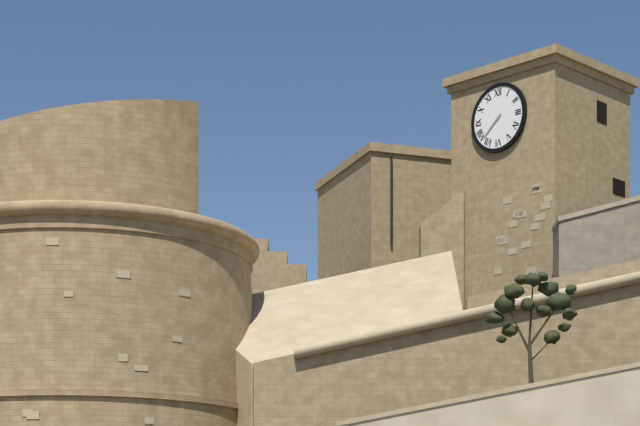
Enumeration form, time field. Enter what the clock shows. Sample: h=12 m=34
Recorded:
h=7 m=38
